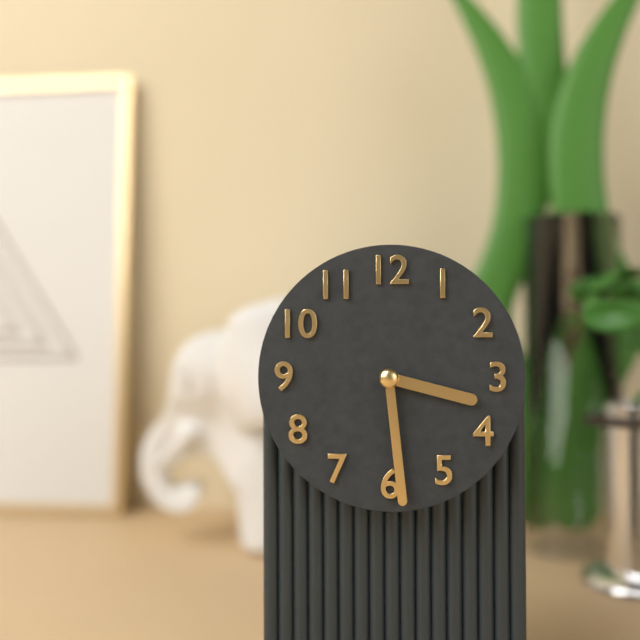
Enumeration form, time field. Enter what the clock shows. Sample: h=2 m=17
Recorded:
h=3 m=29
